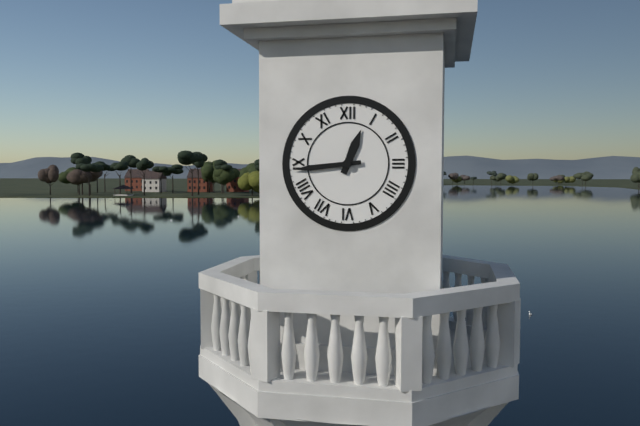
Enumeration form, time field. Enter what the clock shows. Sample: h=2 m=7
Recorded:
h=12 m=44
